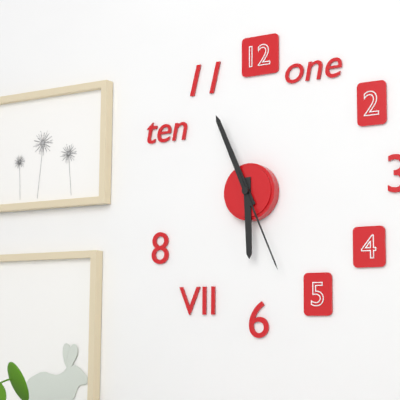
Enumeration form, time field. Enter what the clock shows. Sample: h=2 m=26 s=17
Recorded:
h=5 m=56 s=26
